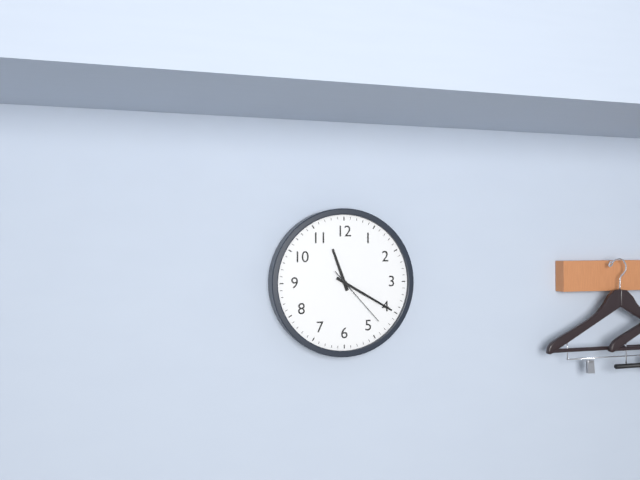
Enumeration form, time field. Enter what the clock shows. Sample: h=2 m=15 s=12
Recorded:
h=11 m=20 s=23
